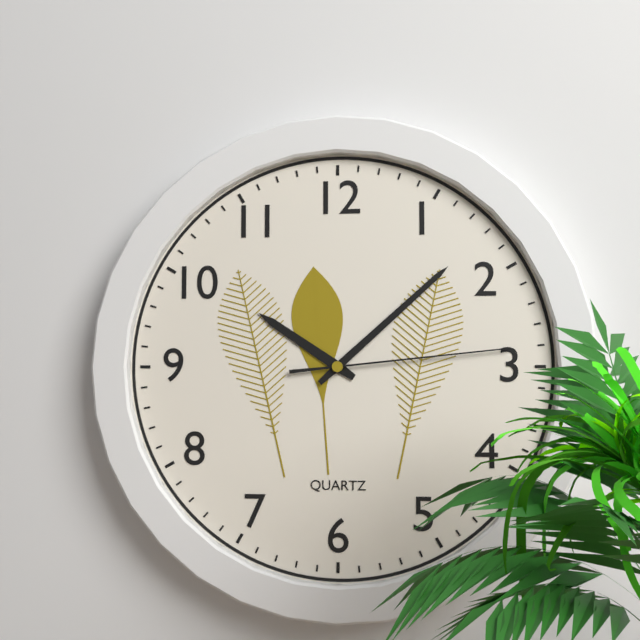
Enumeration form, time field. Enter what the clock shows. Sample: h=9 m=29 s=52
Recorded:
h=10 m=8 s=14
